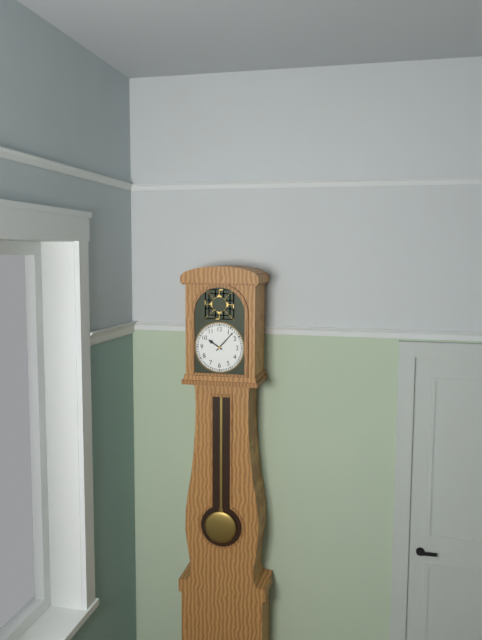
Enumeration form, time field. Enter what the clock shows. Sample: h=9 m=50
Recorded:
h=10 m=7
